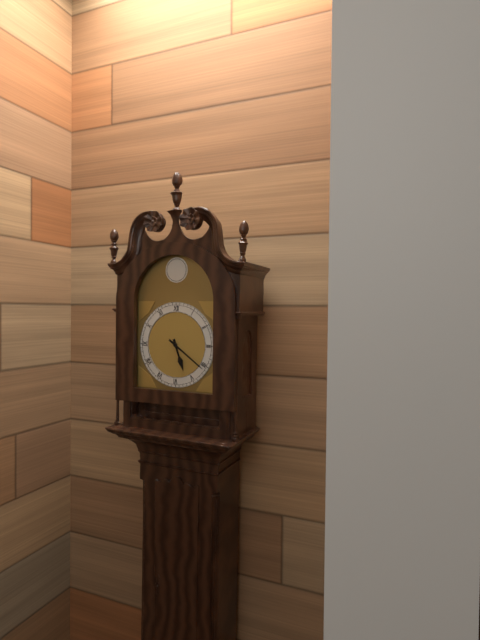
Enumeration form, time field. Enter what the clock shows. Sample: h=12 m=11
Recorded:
h=5 m=21
